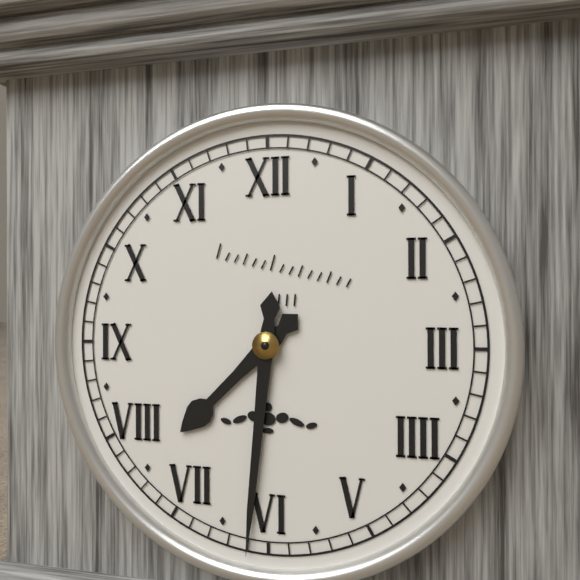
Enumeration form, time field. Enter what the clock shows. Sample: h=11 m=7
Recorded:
h=7 m=31
